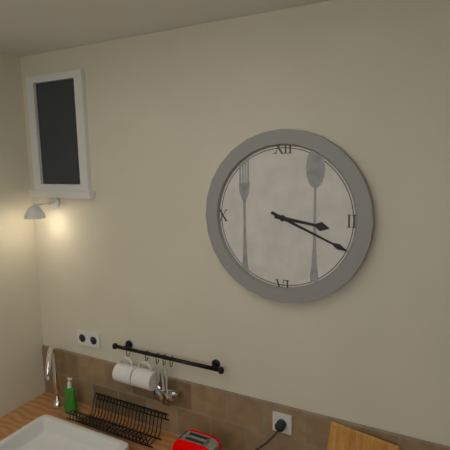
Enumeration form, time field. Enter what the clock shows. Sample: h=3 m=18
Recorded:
h=3 m=19
